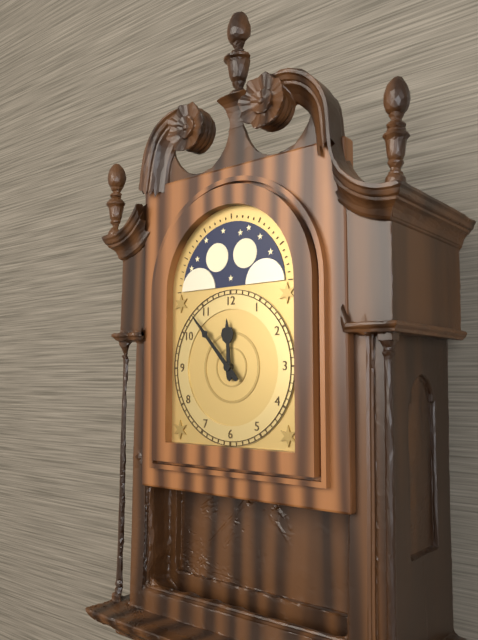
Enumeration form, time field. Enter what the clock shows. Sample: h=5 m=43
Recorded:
h=11 m=53
